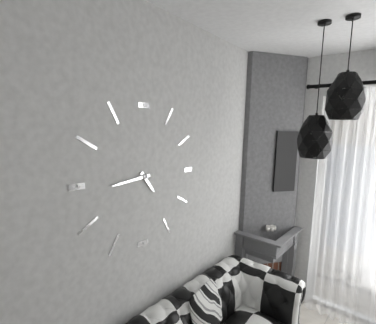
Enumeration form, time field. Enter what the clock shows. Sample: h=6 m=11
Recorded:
h=4 m=44
